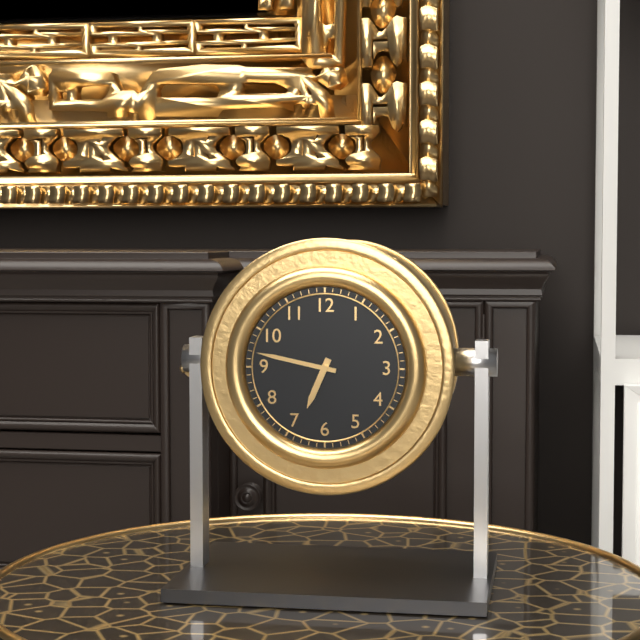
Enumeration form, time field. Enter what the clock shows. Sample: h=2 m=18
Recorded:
h=6 m=47
